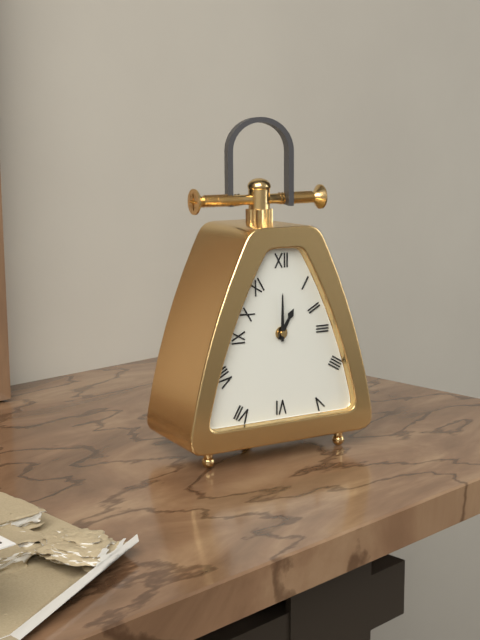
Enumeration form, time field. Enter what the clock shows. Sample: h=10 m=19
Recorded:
h=1 m=0
